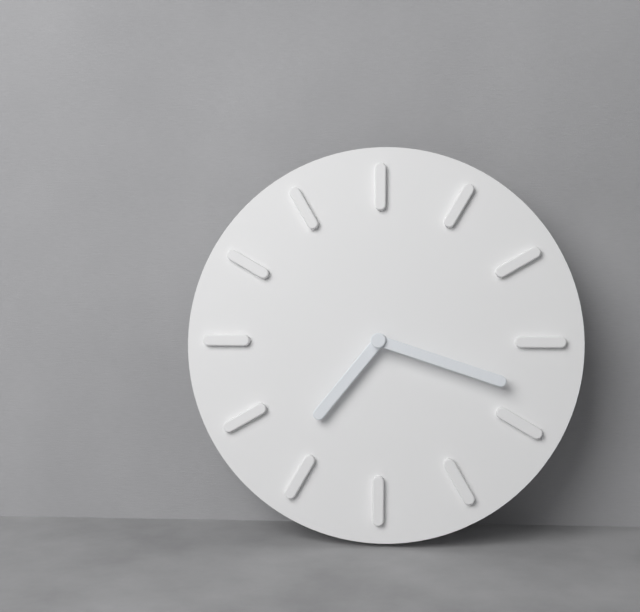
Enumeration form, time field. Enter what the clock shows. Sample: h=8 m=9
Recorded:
h=7 m=18
